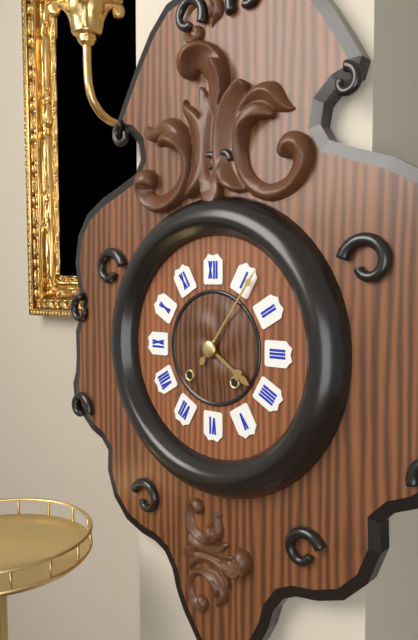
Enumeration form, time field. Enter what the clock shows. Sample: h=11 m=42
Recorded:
h=4 m=6
